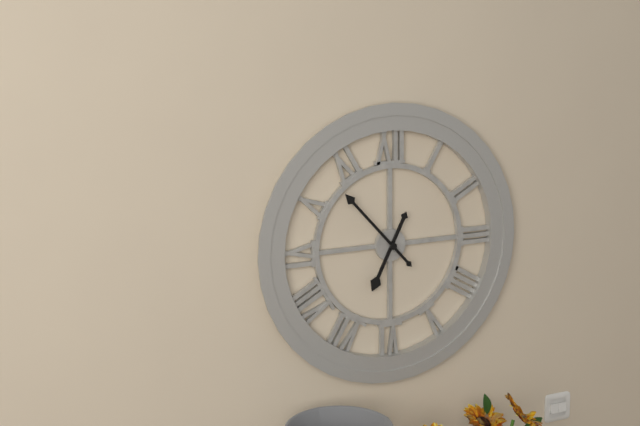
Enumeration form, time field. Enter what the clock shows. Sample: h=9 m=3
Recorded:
h=6 m=53
